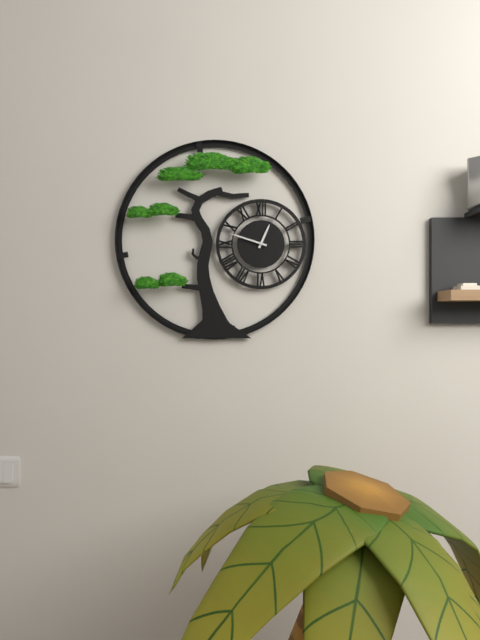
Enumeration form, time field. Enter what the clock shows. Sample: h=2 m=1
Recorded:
h=12 m=48
